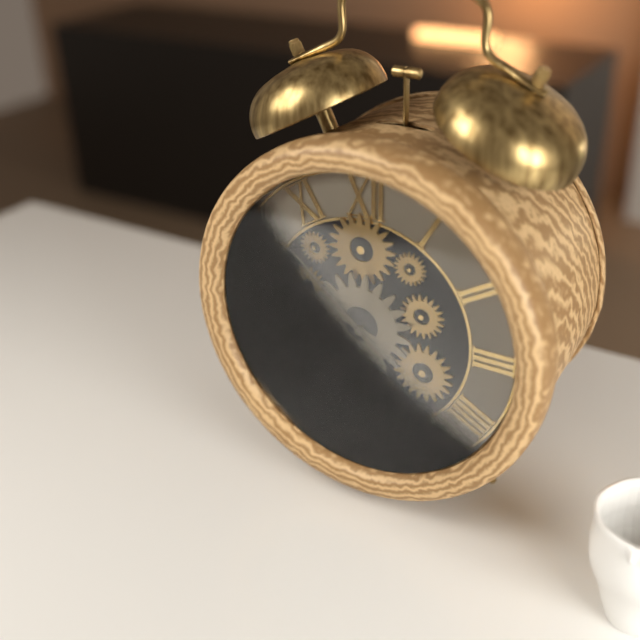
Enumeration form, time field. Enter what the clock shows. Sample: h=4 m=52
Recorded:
h=9 m=52
